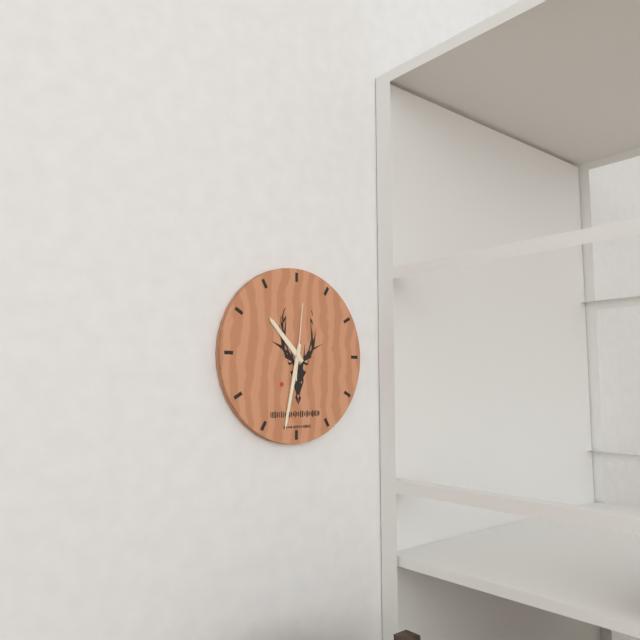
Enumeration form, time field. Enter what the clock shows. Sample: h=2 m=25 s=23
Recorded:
h=10 m=32 s=1
